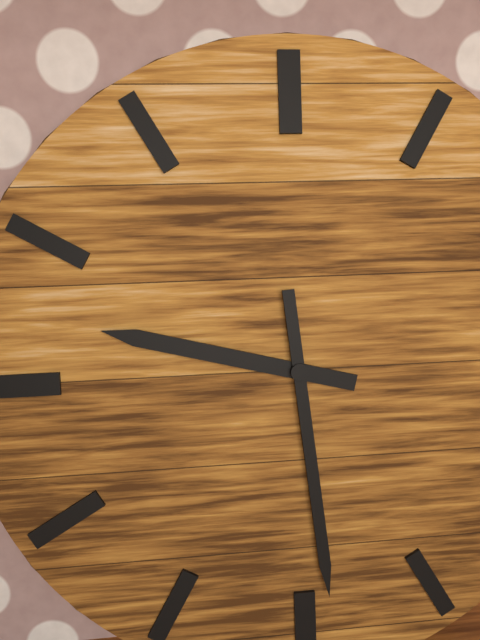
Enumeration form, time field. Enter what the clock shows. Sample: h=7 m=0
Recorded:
h=9 m=29
